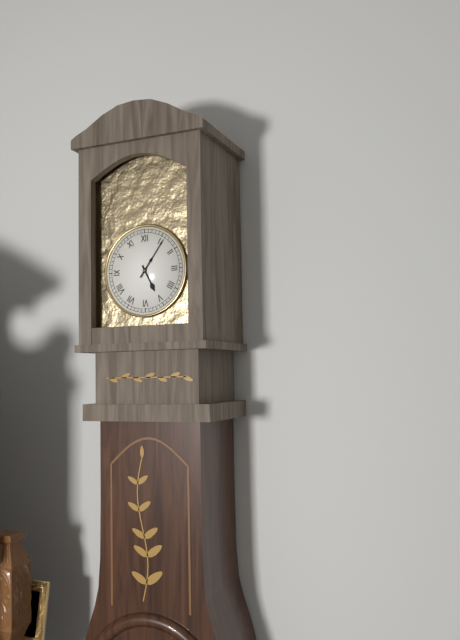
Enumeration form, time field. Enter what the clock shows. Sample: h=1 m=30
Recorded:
h=5 m=6
